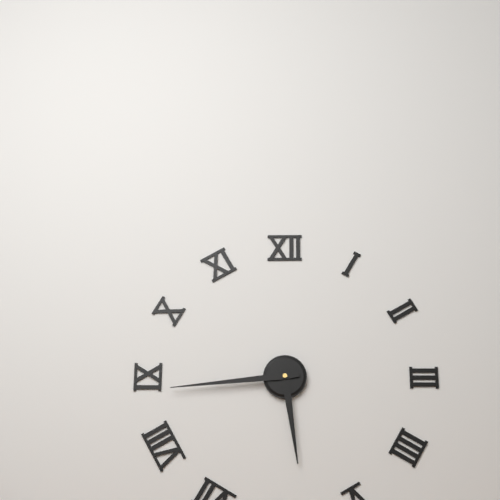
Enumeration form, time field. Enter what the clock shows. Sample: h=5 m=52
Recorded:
h=5 m=44
